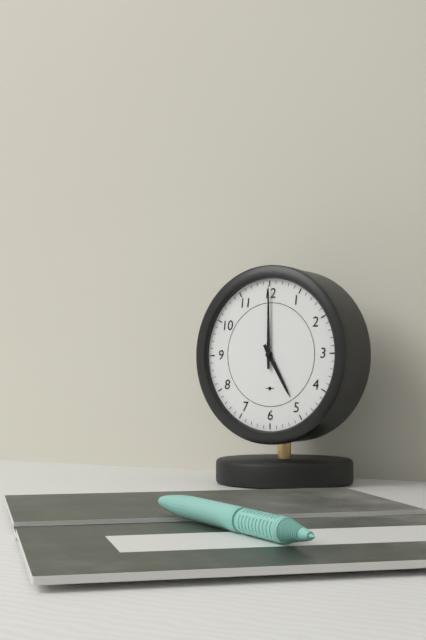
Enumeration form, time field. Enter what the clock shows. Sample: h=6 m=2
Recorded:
h=5 m=0
